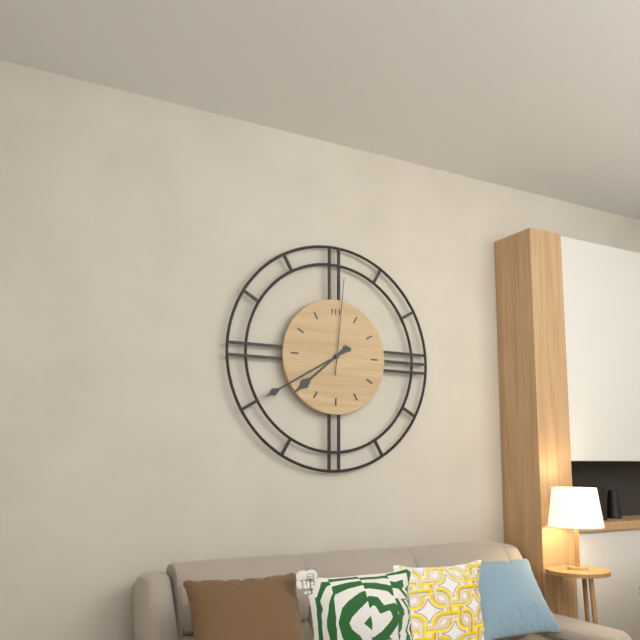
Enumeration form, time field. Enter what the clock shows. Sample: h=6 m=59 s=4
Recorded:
h=7 m=40 s=1
